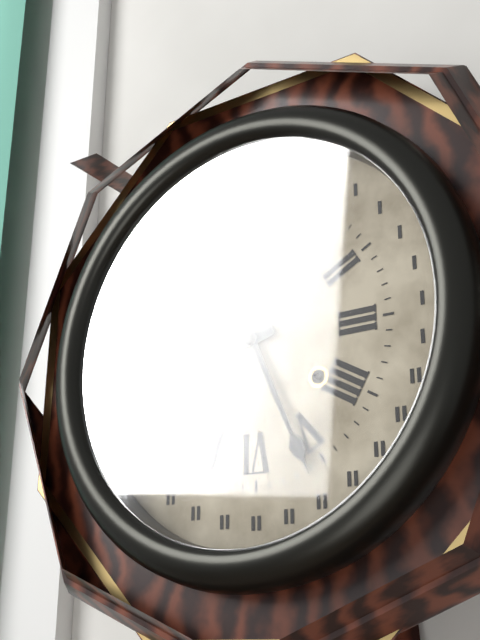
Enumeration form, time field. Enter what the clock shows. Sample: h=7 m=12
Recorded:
h=8 m=26
